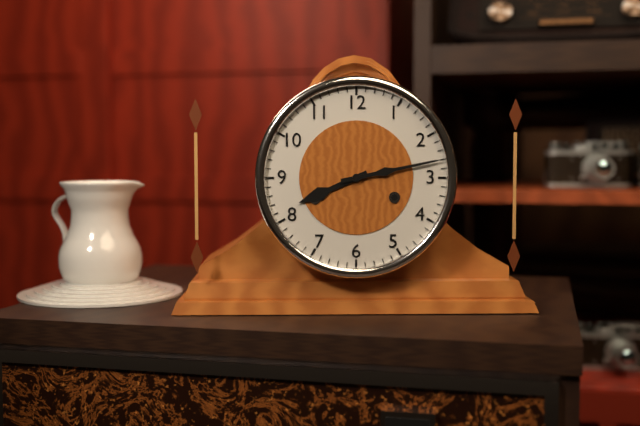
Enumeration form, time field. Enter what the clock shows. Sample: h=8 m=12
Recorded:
h=8 m=13
